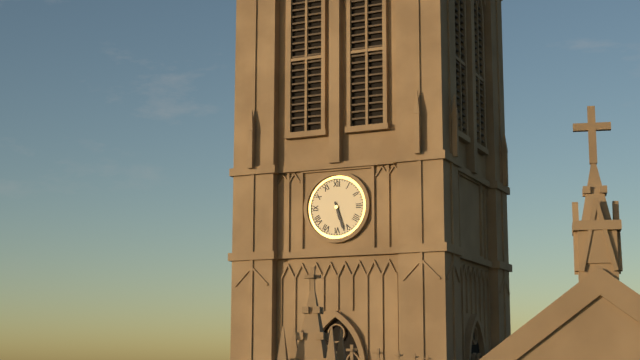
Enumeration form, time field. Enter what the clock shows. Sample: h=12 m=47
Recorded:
h=5 m=27
